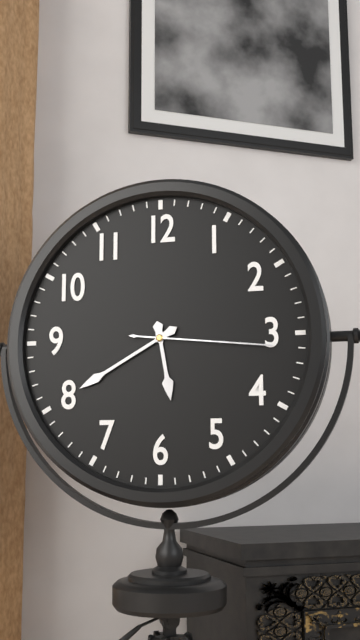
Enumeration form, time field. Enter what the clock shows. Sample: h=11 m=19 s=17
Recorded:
h=5 m=40 s=16
